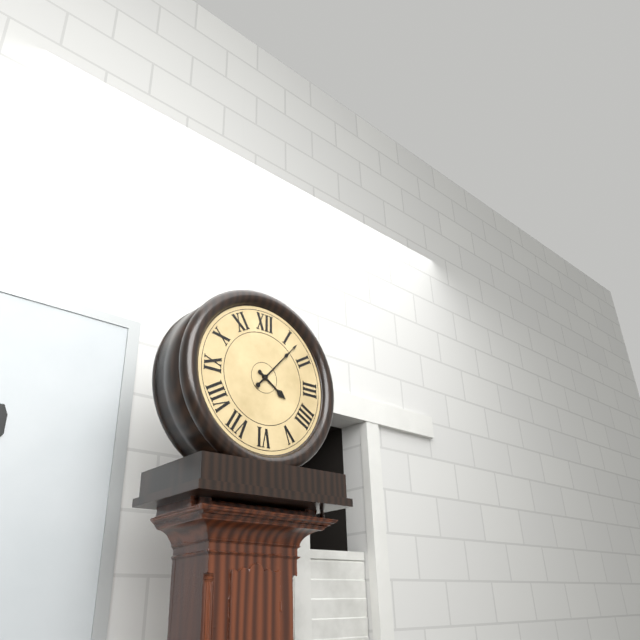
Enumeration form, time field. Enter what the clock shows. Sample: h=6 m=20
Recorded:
h=4 m=7
